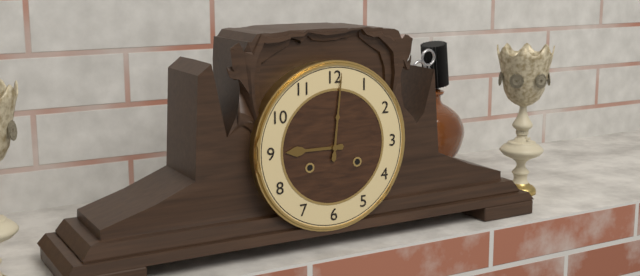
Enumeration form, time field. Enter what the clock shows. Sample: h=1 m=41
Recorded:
h=9 m=1
